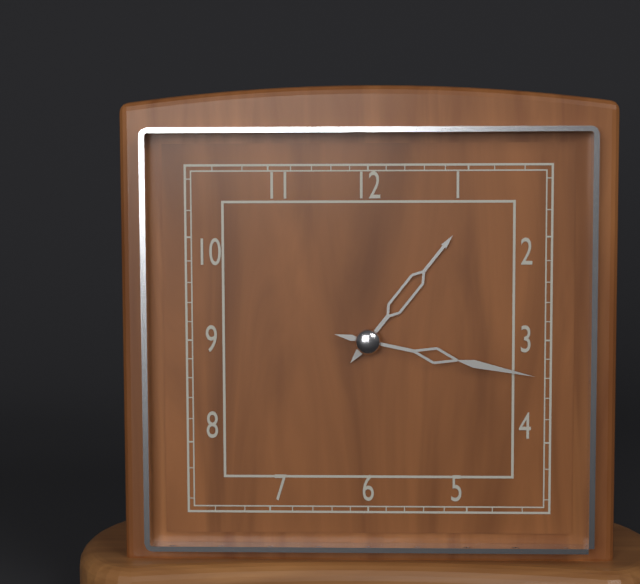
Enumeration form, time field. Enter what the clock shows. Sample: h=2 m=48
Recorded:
h=1 m=17
